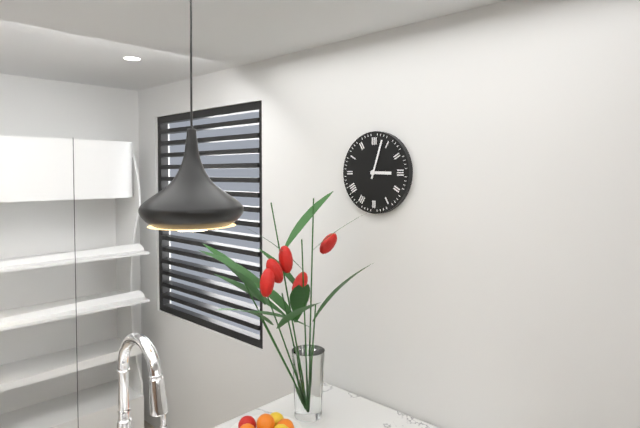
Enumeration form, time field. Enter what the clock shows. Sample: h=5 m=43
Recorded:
h=3 m=3
